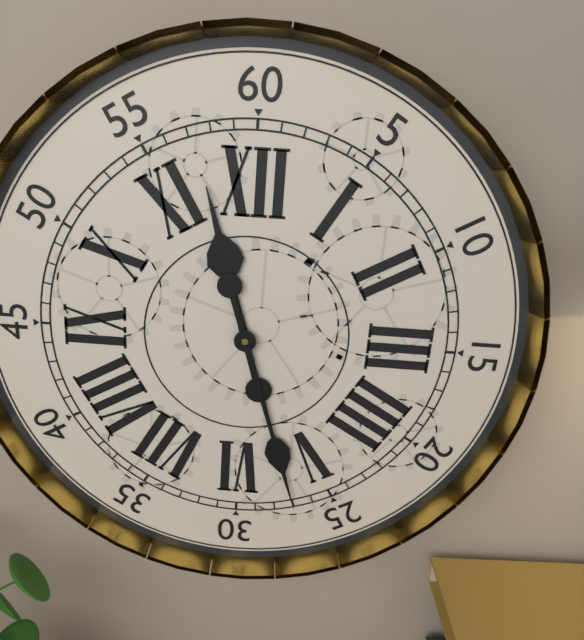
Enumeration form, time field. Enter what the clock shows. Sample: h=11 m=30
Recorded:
h=11 m=27
